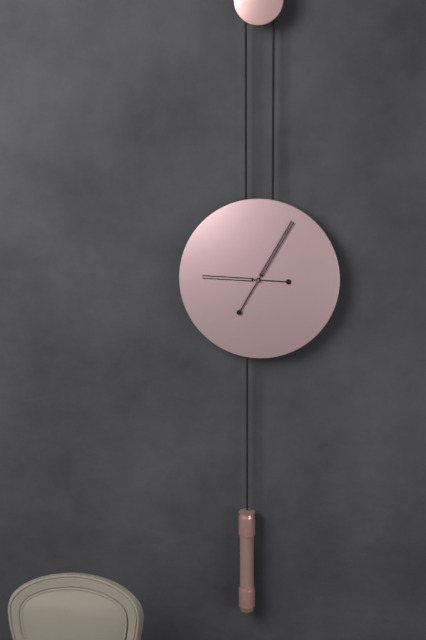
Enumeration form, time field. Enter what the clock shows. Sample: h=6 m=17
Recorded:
h=9 m=5
